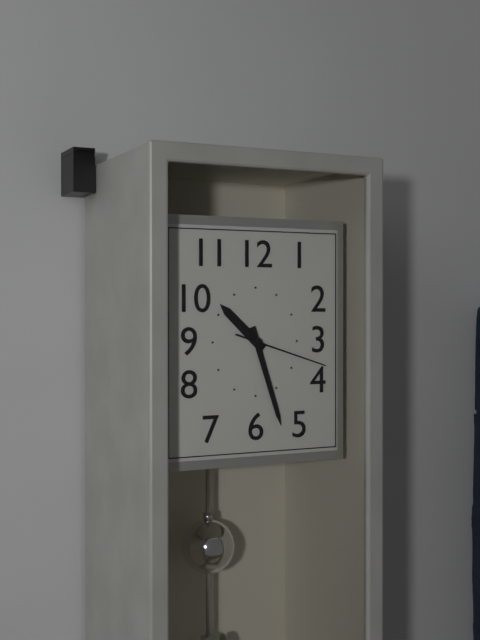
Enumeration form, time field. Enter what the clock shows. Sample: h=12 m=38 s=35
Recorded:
h=10 m=27 s=18
